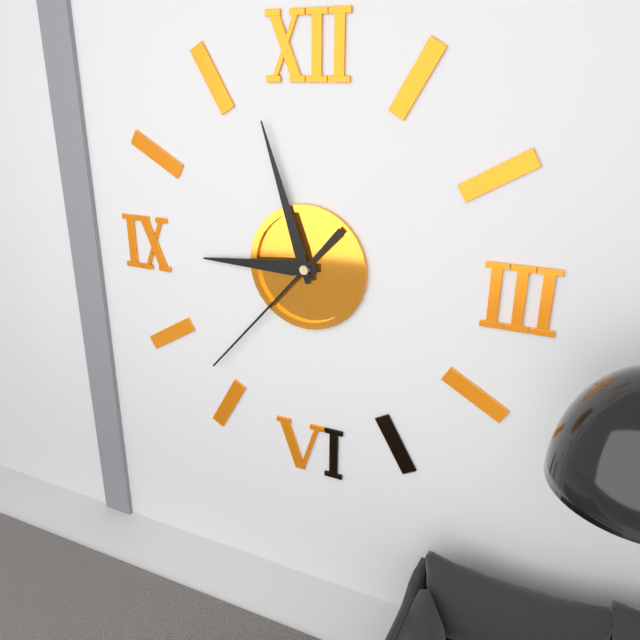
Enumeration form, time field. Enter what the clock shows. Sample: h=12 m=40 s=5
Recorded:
h=8 m=57 s=37
